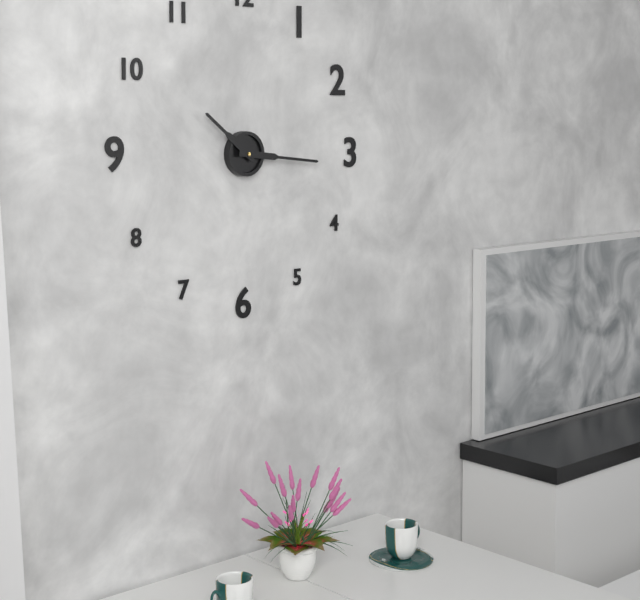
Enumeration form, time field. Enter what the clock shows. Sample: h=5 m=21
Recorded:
h=10 m=16
